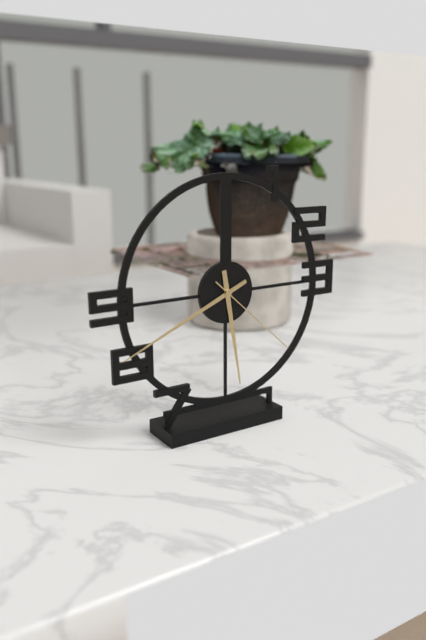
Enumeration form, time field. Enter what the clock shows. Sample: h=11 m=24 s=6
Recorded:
h=5 m=41 s=22
